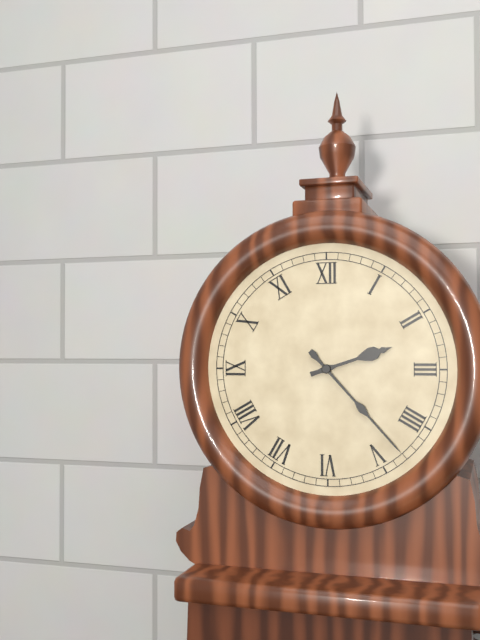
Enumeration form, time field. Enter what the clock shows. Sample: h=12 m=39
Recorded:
h=2 m=23
